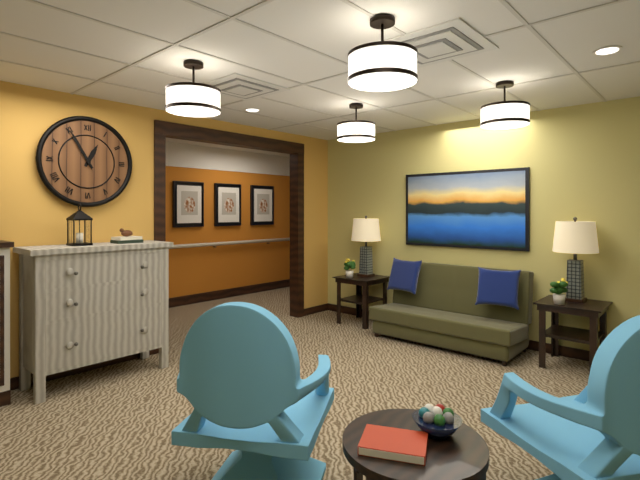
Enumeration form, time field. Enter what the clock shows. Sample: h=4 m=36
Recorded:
h=12 m=55
